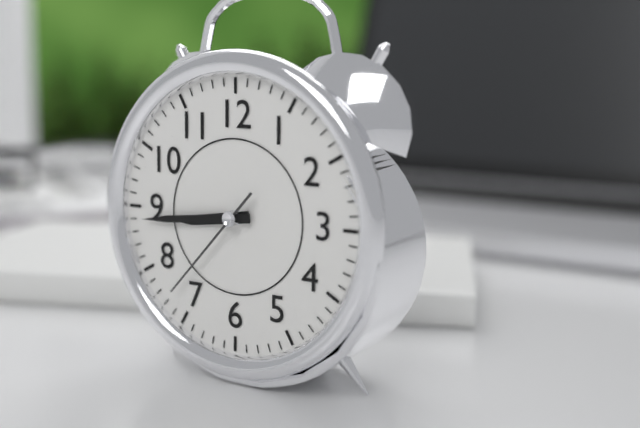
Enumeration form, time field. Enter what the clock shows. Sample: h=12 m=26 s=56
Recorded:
h=8 m=44 s=37
